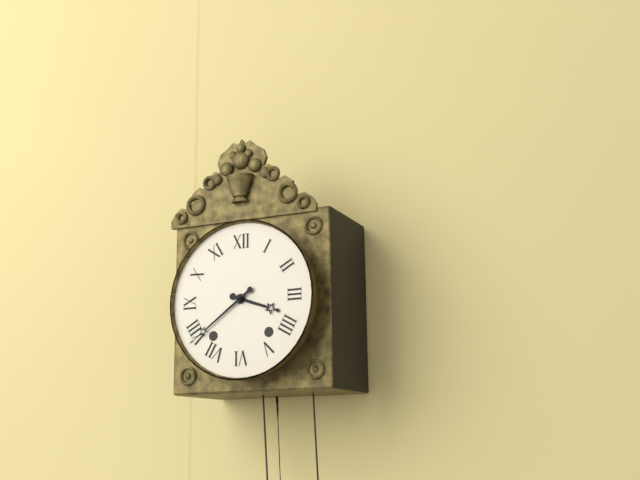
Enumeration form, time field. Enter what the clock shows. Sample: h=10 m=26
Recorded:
h=3 m=39
